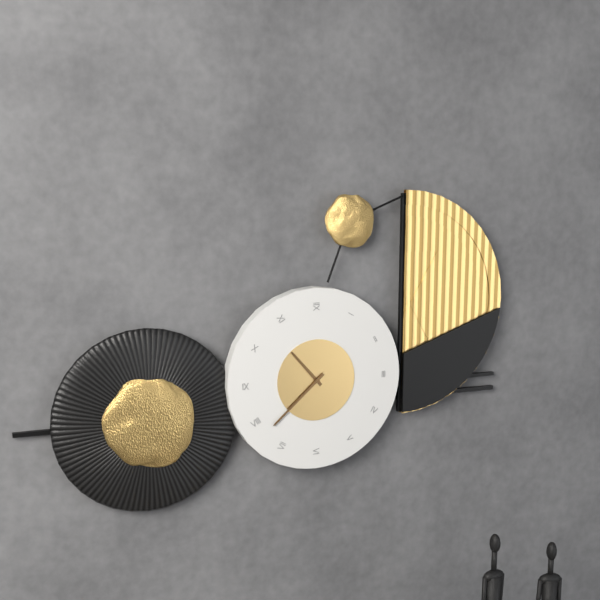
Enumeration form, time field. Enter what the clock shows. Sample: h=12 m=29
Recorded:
h=10 m=38
